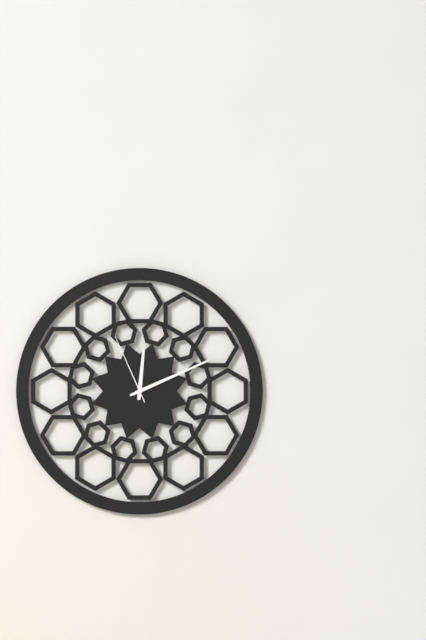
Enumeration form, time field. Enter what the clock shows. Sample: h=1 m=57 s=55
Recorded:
h=12 m=11 s=56
